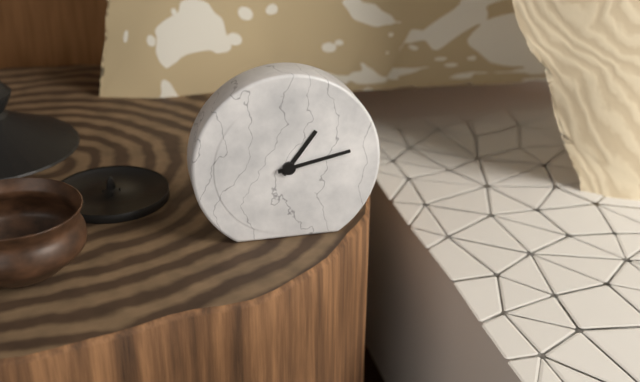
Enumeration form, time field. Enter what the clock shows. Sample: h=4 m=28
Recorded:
h=1 m=13
